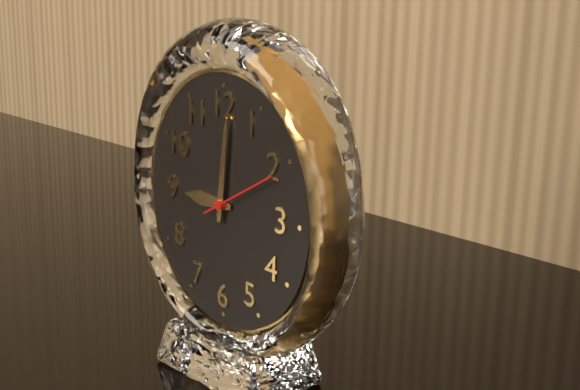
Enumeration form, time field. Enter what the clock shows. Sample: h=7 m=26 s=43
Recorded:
h=9 m=1 s=10
